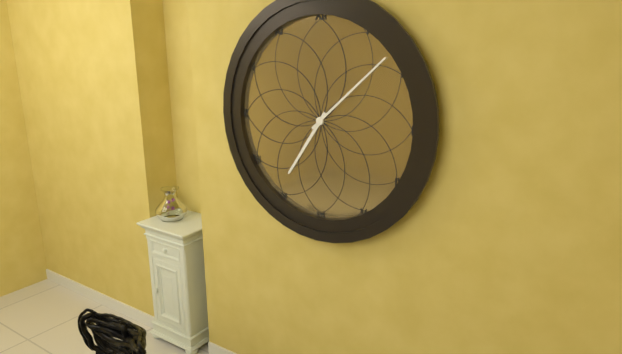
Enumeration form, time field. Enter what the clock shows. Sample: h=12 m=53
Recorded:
h=7 m=8
